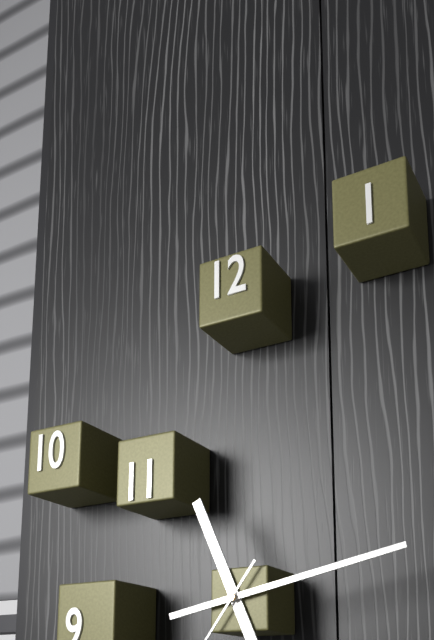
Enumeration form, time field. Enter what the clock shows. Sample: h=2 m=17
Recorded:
h=11 m=13
